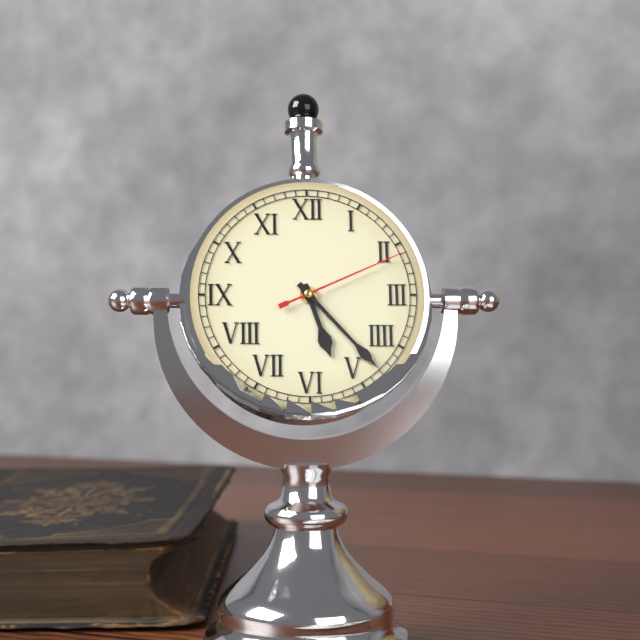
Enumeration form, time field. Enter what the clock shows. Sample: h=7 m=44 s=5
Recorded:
h=5 m=23 s=11
